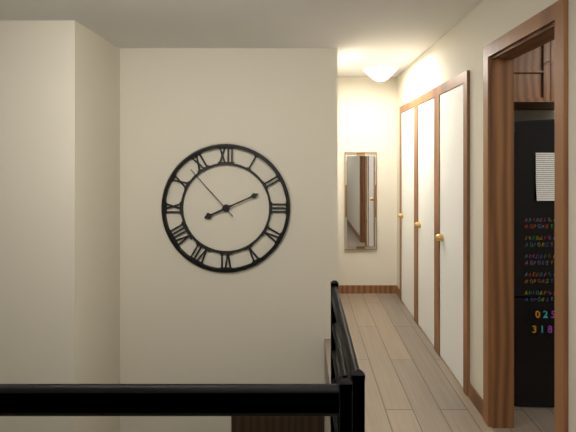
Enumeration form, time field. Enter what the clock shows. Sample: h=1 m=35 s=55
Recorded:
h=8 m=11 s=53
